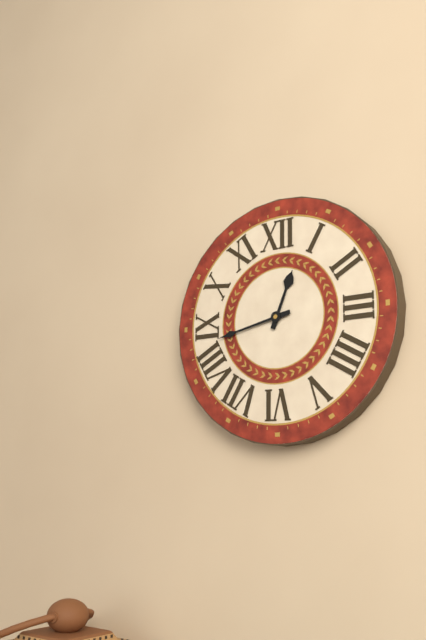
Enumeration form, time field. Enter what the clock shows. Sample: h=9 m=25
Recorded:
h=12 m=43
